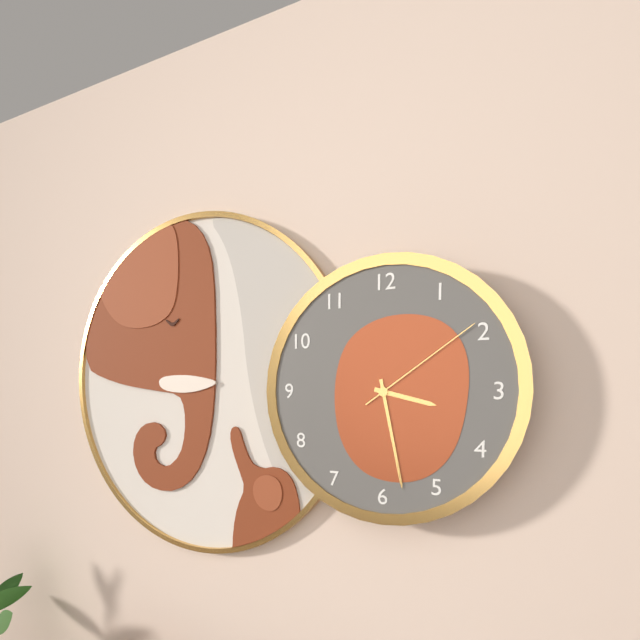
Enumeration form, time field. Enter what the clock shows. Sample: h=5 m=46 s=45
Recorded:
h=3 m=28 s=9
